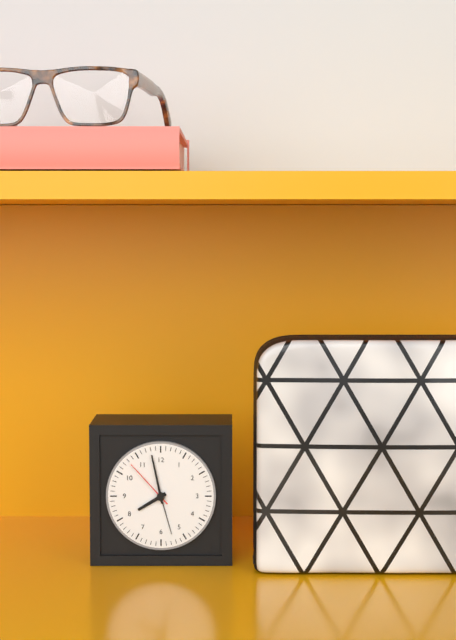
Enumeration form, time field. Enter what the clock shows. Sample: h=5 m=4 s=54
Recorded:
h=7 m=58 s=53
